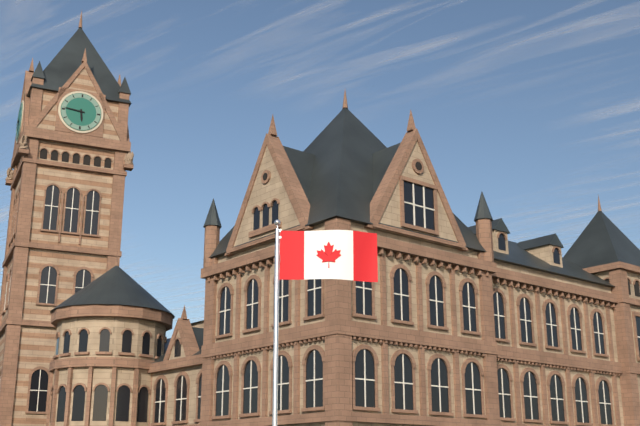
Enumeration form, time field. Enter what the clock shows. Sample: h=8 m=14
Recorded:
h=5 m=46
